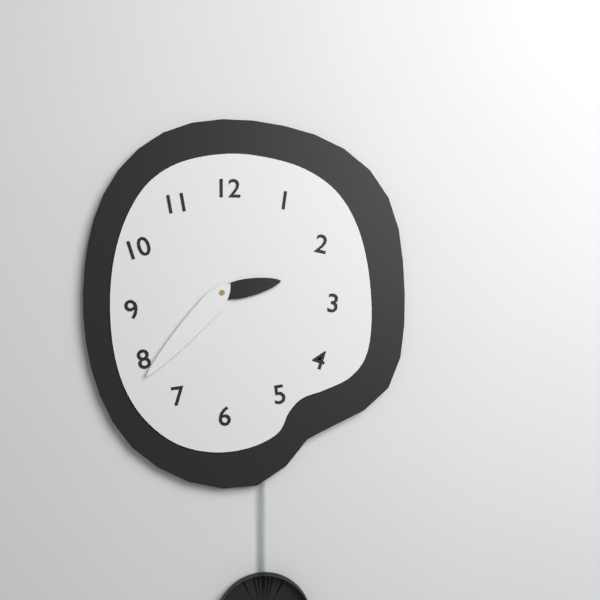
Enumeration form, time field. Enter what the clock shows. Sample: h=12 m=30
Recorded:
h=2 m=37
